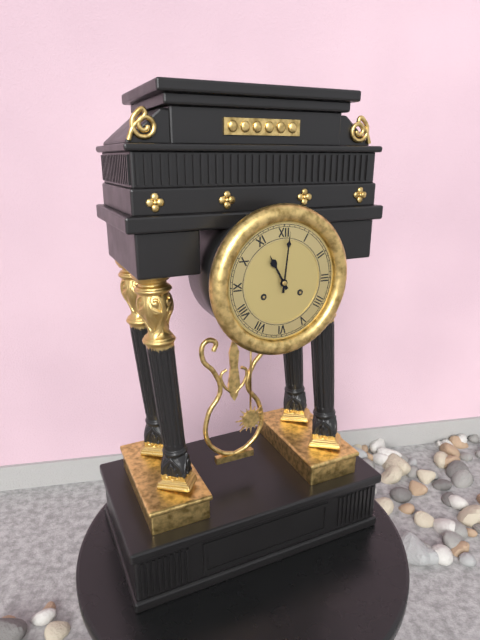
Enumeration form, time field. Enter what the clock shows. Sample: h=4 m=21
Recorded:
h=11 m=1
